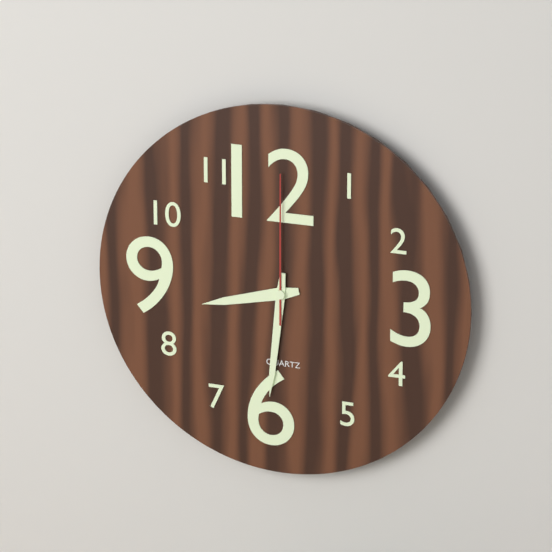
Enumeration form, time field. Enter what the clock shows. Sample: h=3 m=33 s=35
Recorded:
h=8 m=31 s=0
